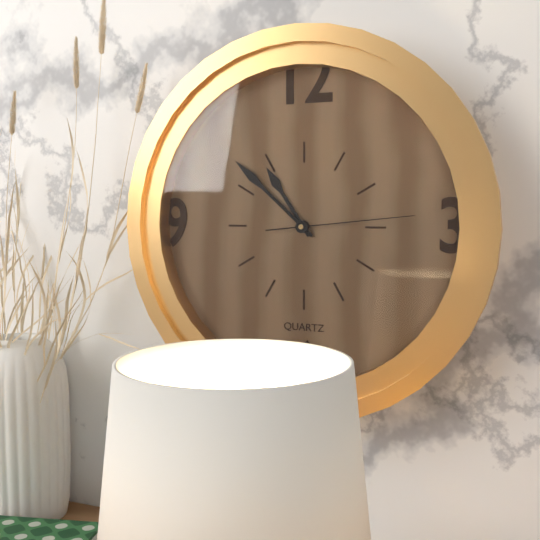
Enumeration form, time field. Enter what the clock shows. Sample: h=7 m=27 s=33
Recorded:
h=10 m=52 s=14
